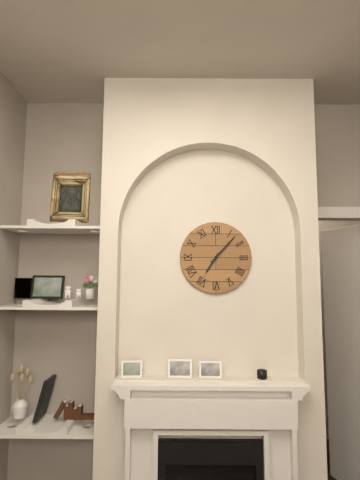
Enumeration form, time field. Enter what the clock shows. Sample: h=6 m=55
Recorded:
h=7 m=7
